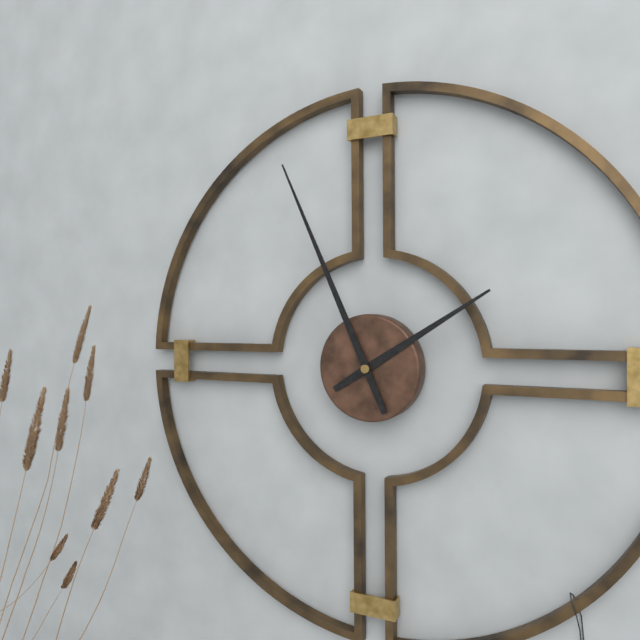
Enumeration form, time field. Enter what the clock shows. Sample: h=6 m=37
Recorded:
h=1 m=56
